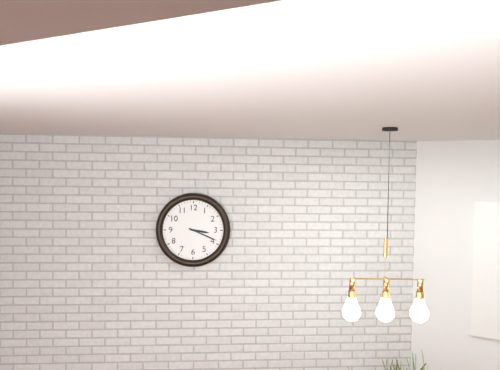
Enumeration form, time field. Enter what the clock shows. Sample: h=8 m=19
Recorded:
h=3 m=19
